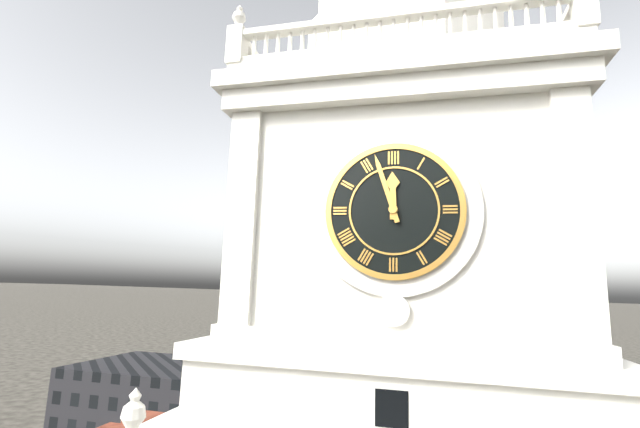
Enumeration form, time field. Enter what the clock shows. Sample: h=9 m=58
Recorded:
h=11 m=57
